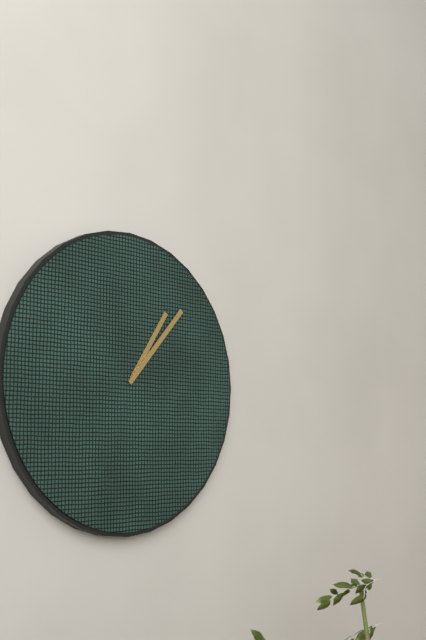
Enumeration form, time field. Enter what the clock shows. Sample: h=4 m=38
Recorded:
h=1 m=7
